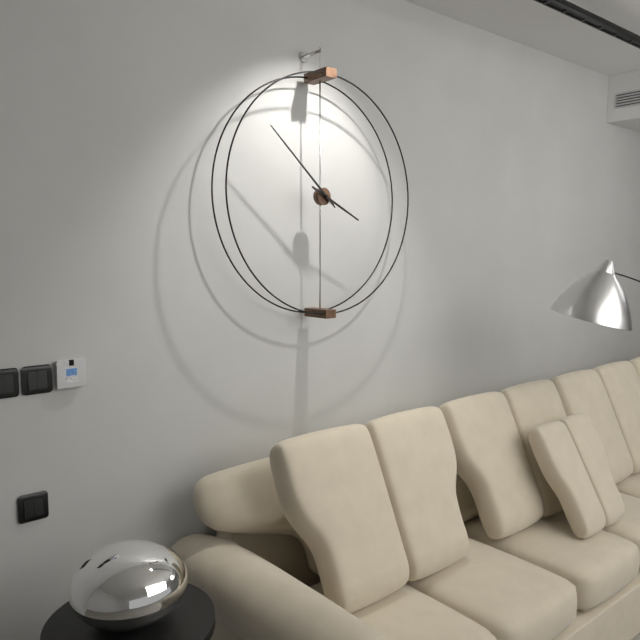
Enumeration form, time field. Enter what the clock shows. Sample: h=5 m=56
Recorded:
h=3 m=52
